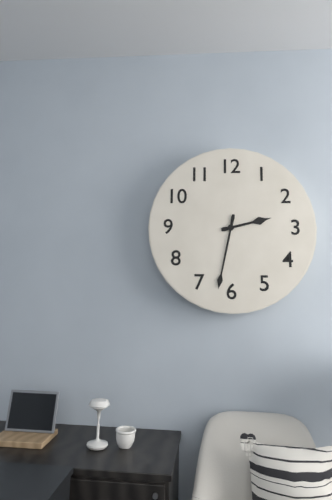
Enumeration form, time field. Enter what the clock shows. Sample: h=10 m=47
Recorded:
h=2 m=32
